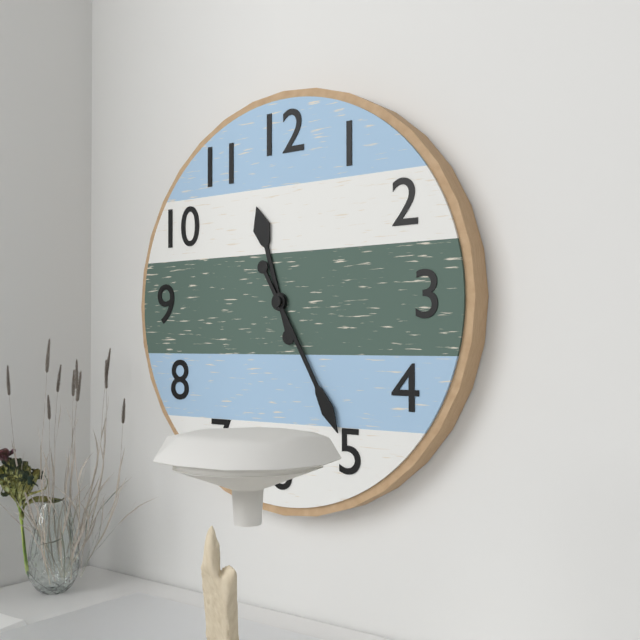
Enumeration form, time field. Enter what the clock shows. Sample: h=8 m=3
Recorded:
h=11 m=25
